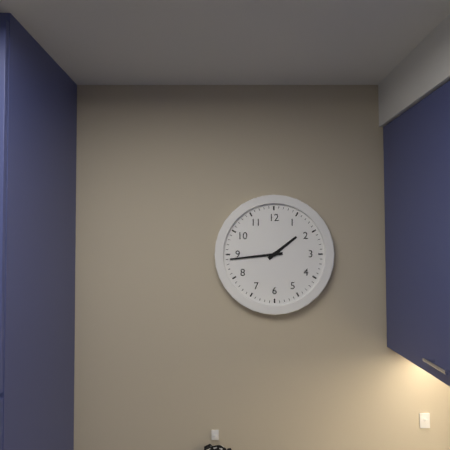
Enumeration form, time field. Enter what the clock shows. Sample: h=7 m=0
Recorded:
h=1 m=44
